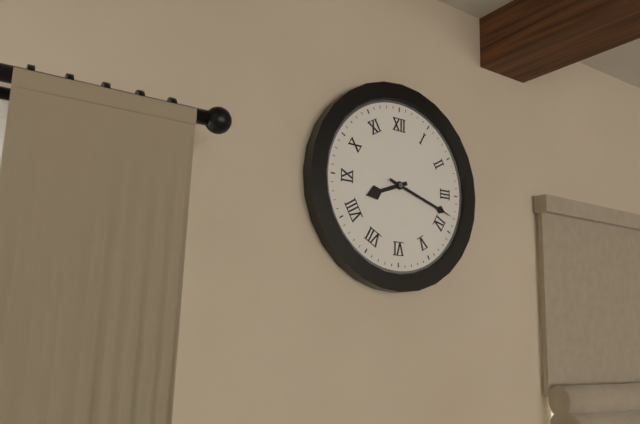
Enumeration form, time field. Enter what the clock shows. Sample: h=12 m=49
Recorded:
h=8 m=18
